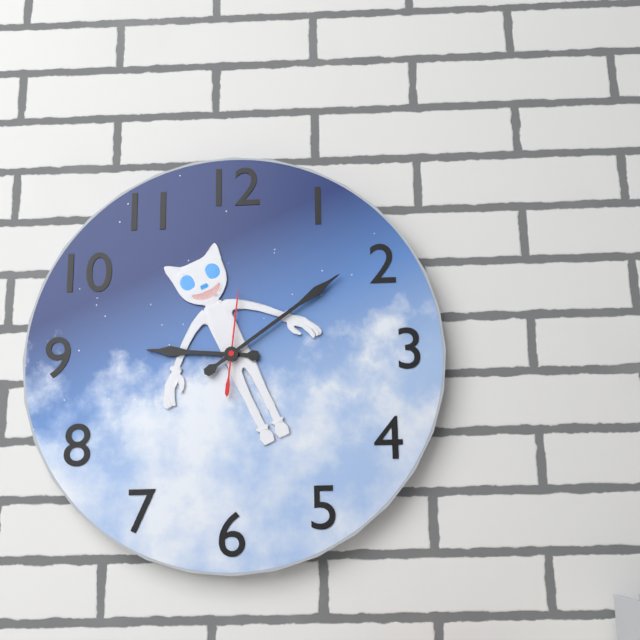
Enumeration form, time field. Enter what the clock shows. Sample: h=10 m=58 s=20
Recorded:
h=9 m=9 s=1
